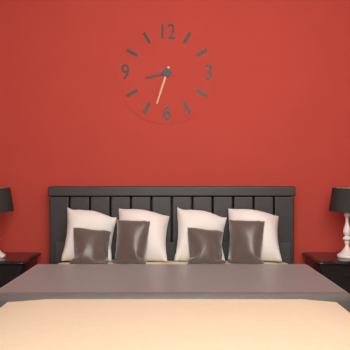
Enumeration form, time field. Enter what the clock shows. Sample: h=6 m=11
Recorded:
h=8 m=33
